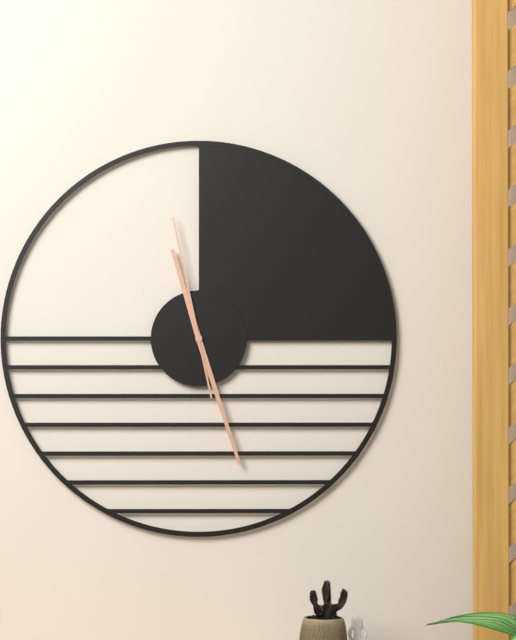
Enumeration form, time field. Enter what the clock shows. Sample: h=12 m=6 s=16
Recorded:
h=11 m=27 s=58
